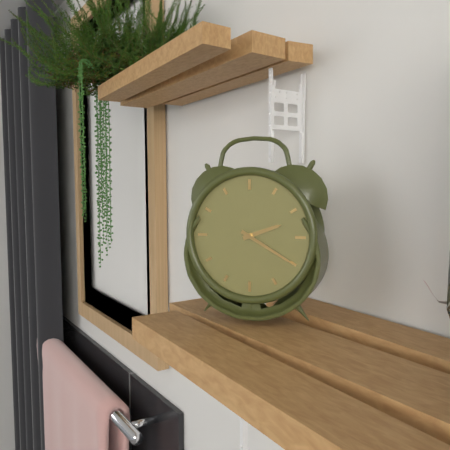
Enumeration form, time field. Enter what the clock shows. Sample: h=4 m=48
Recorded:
h=2 m=20
